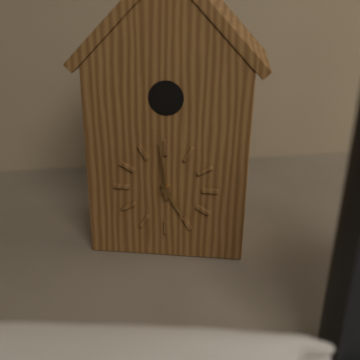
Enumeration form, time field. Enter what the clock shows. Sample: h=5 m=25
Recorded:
h=4 m=59
